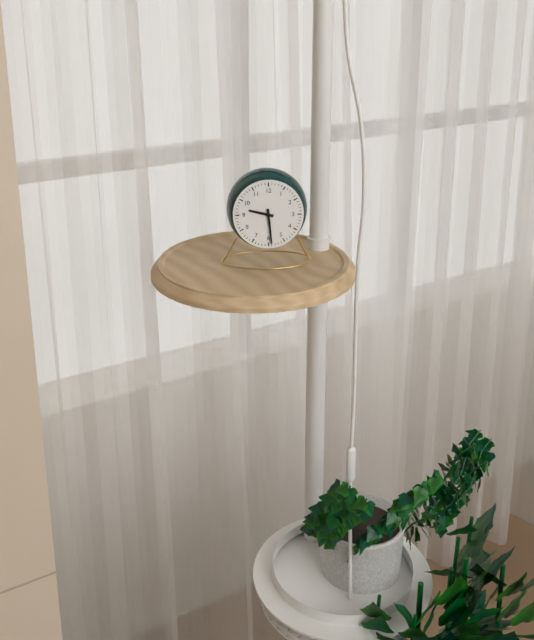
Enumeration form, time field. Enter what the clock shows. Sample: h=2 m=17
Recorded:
h=9 m=29
